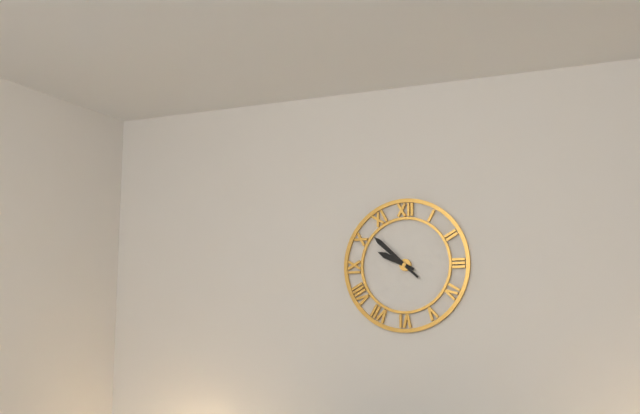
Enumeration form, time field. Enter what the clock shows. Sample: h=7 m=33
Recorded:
h=9 m=52
